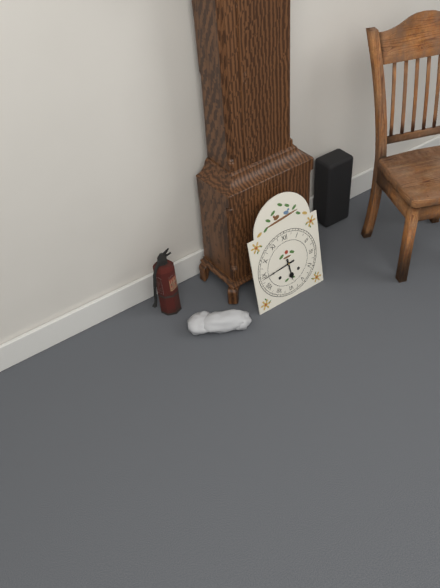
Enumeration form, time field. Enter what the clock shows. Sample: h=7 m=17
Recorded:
h=5 m=44
